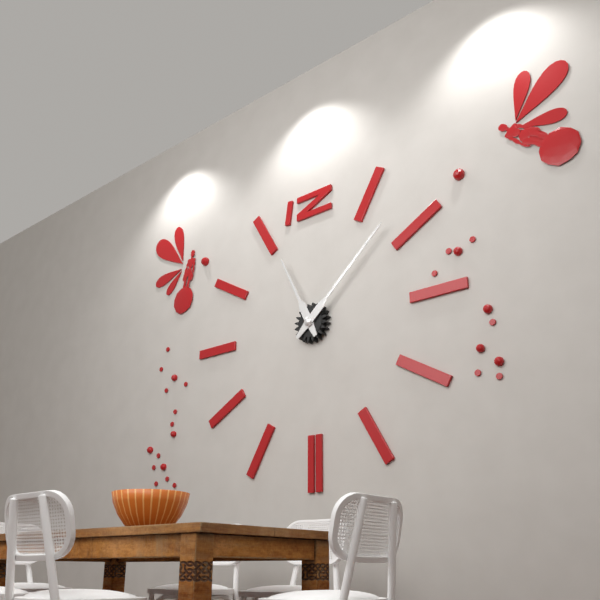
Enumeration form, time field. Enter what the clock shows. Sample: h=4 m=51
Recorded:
h=11 m=8
